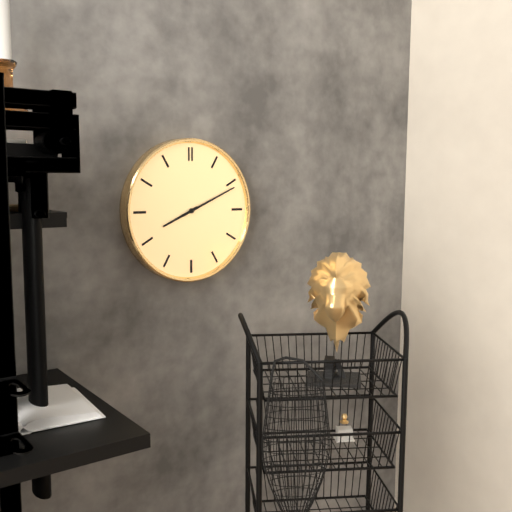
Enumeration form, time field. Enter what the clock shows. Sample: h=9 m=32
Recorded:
h=8 m=11
